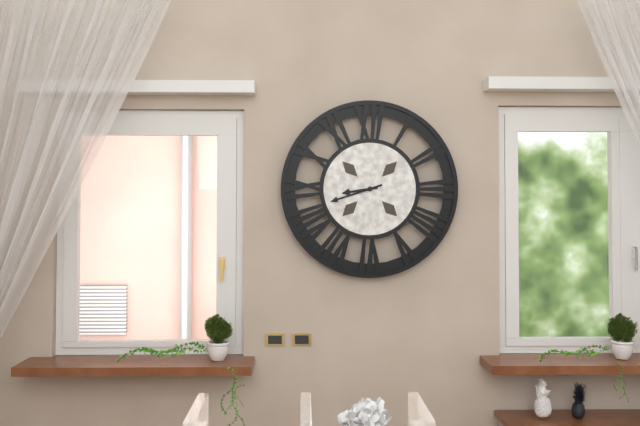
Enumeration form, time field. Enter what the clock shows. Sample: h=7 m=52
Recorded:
h=8 m=42
